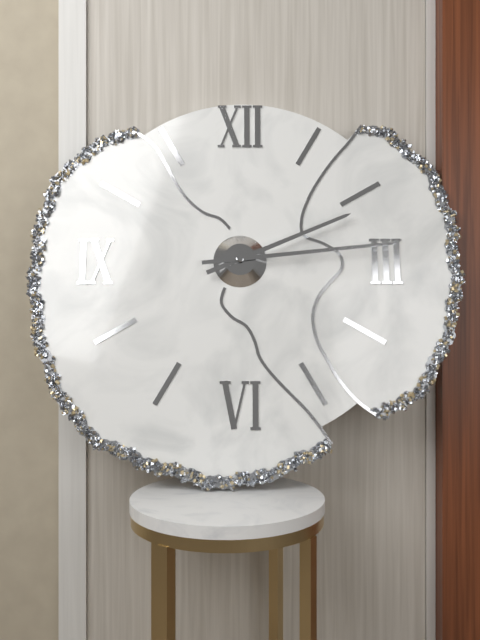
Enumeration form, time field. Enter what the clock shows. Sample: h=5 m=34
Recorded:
h=2 m=14
